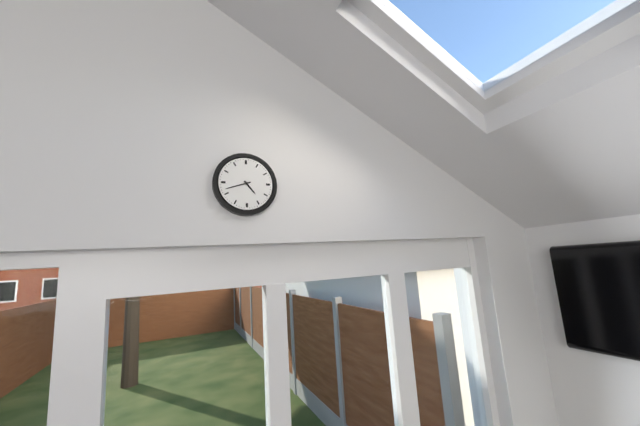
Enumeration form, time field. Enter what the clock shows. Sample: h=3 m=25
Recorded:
h=4 m=42
